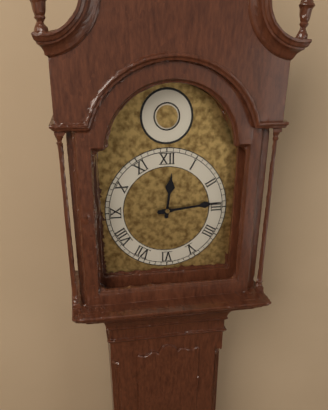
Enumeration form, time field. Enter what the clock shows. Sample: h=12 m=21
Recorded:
h=12 m=14
